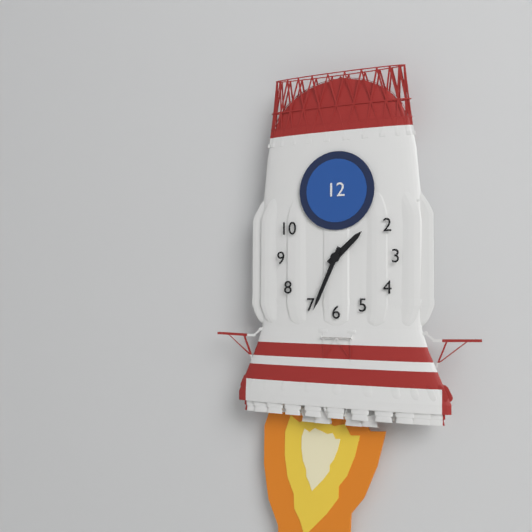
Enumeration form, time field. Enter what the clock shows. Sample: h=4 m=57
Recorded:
h=1 m=34
